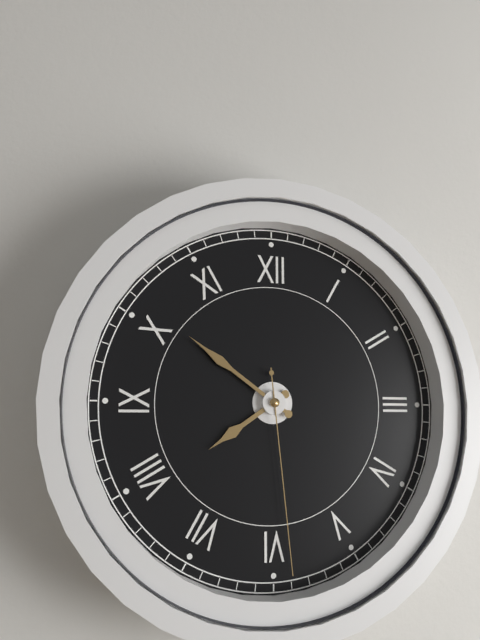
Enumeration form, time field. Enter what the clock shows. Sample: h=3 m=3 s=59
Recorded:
h=7 m=51 s=29
